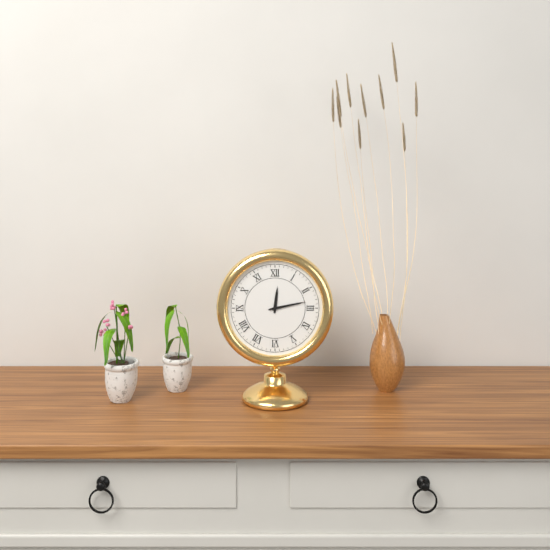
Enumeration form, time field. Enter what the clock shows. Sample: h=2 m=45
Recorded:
h=12 m=13
